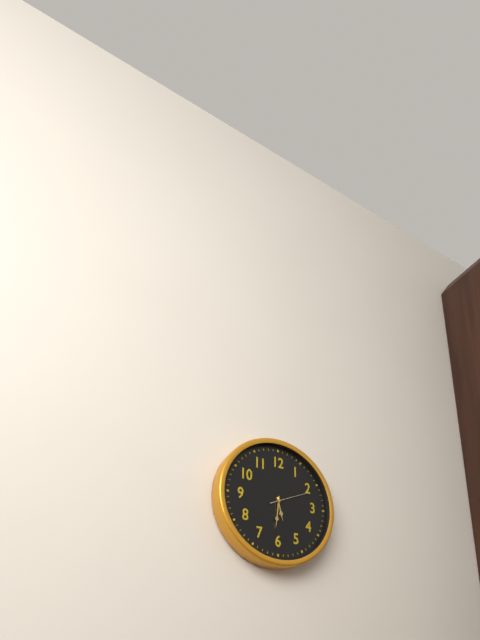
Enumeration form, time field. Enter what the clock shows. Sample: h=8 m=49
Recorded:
h=5 m=31
